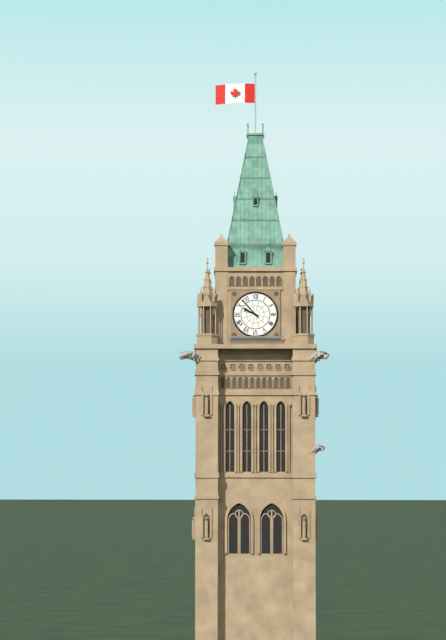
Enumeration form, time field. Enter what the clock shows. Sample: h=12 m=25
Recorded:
h=9 m=53
